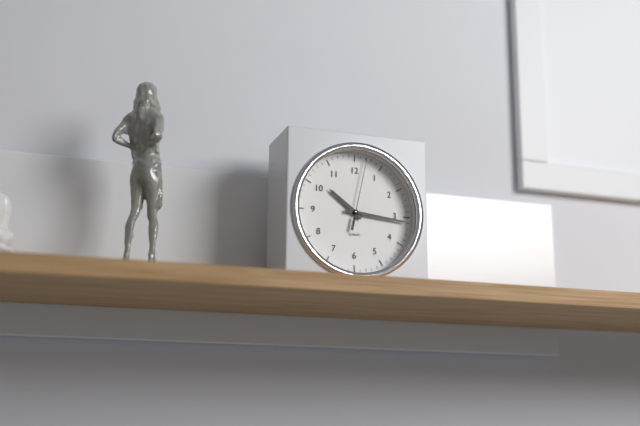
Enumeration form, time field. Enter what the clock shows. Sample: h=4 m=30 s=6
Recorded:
h=10 m=16 s=2
